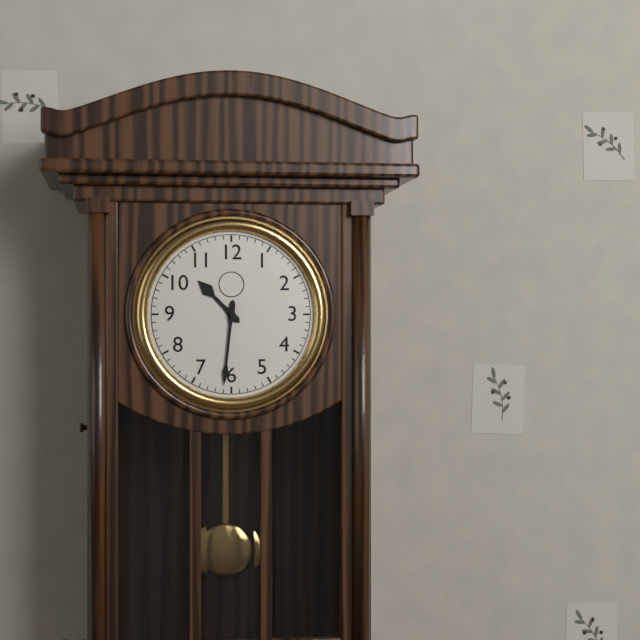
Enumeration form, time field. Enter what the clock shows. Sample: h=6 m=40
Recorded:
h=10 m=31
